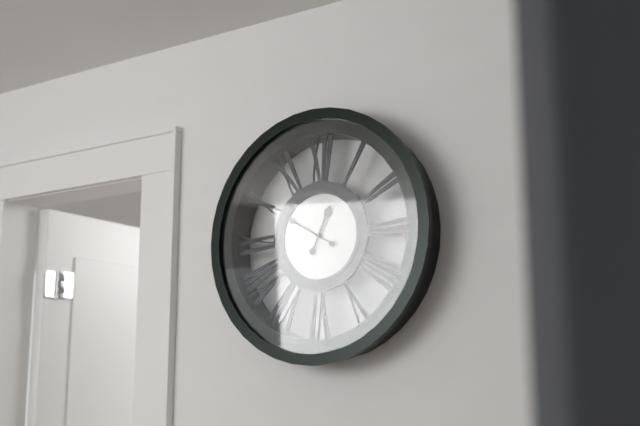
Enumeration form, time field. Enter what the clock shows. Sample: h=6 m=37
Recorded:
h=12 m=50
